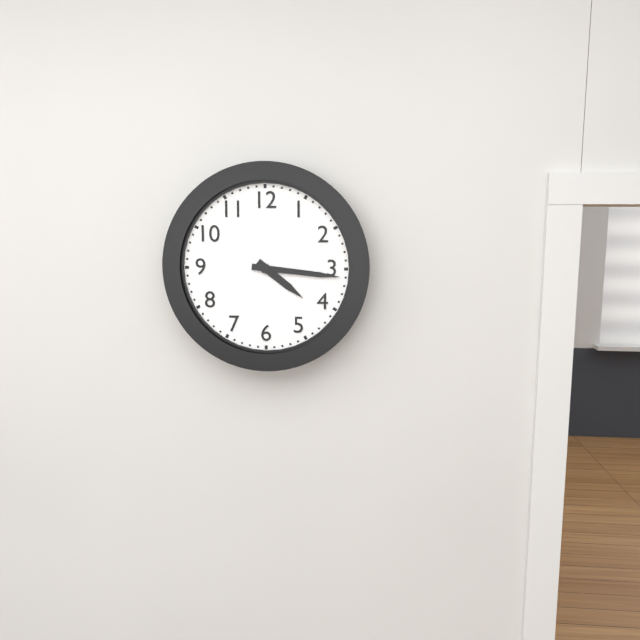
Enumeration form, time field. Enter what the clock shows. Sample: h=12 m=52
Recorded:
h=4 m=16
